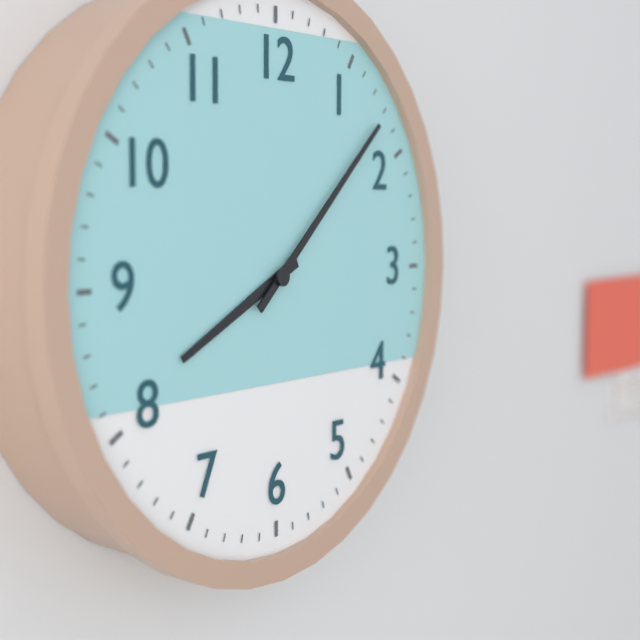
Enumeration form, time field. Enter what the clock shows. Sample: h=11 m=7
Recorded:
h=8 m=8
